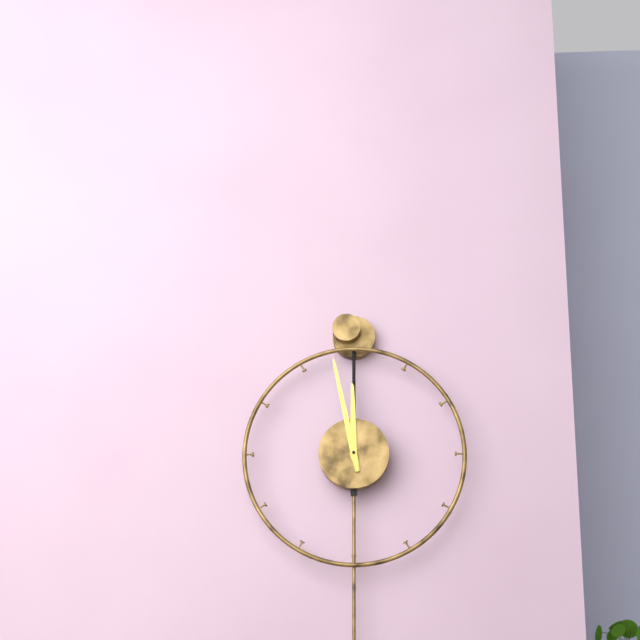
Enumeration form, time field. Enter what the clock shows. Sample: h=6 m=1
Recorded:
h=11 m=58
